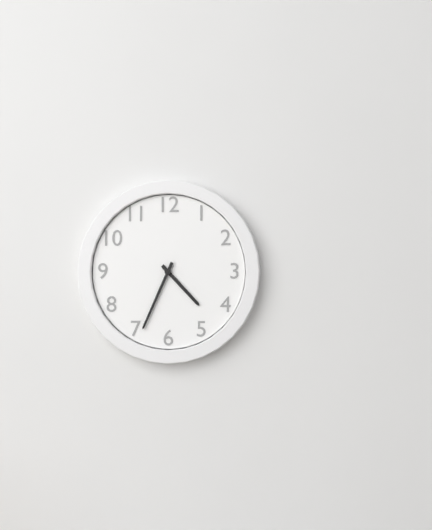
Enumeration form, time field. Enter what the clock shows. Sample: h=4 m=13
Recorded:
h=4 m=34
